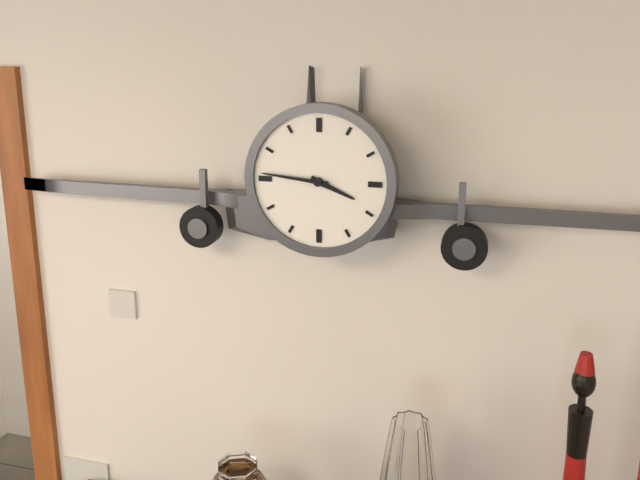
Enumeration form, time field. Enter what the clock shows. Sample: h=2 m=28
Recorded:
h=3 m=46
